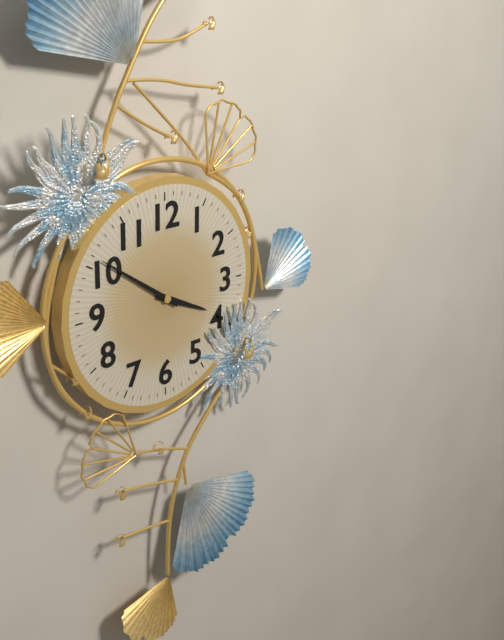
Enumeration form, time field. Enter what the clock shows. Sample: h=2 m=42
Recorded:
h=3 m=51
